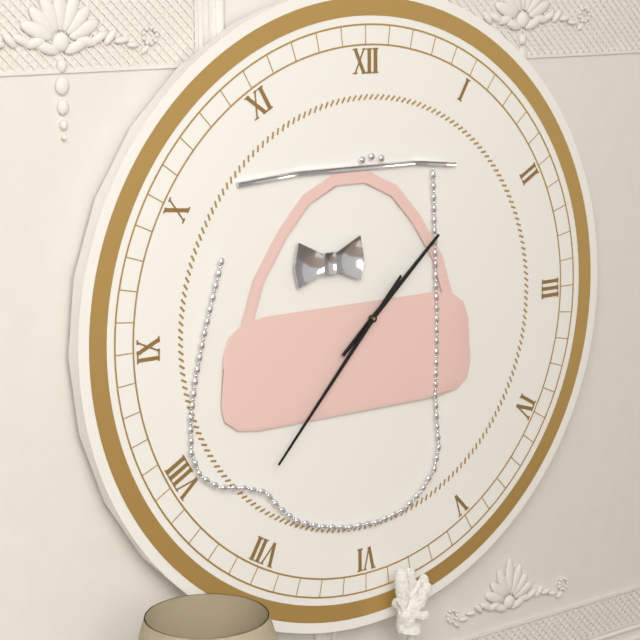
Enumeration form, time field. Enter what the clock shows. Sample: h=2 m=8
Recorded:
h=1 m=37
